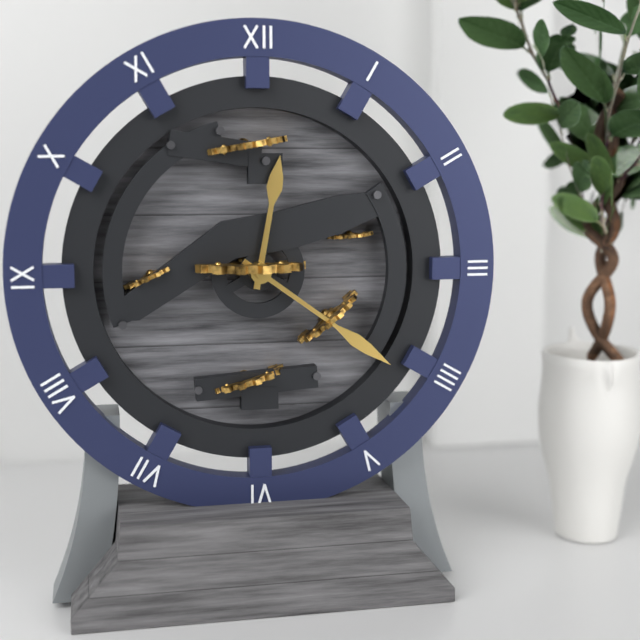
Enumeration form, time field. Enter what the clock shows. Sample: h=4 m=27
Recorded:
h=12 m=21
